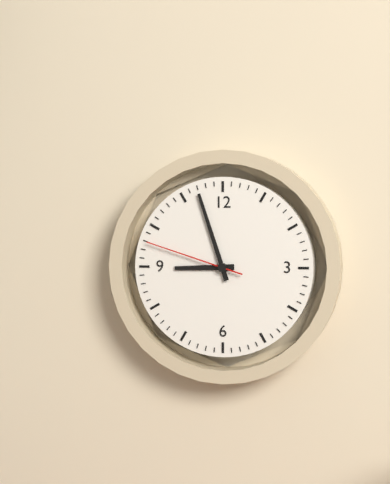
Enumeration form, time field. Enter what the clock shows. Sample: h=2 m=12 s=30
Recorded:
h=8 m=57 s=48
